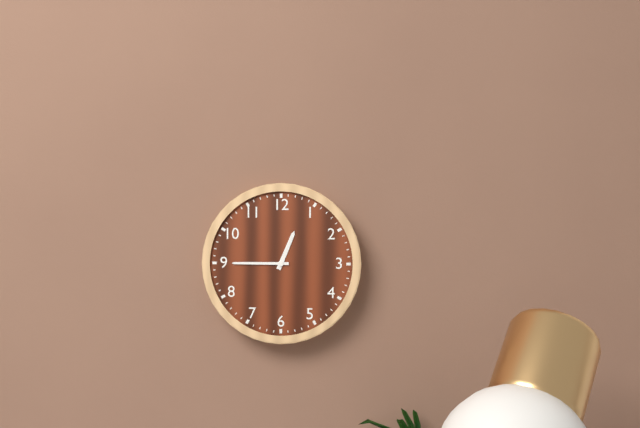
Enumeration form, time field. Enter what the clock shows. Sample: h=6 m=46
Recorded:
h=12 m=45
